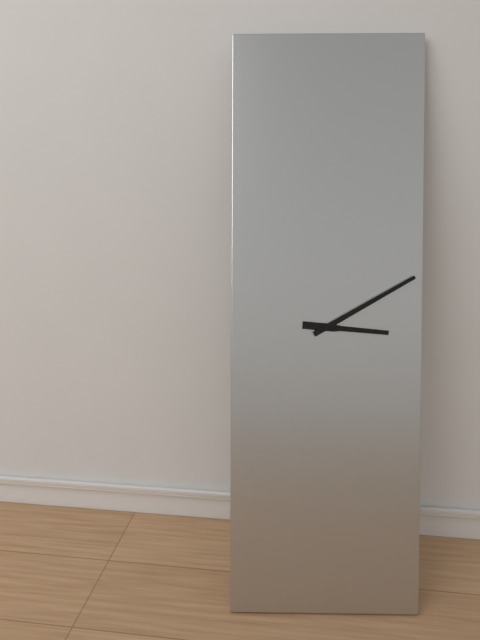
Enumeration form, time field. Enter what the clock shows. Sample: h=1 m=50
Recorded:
h=3 m=10
